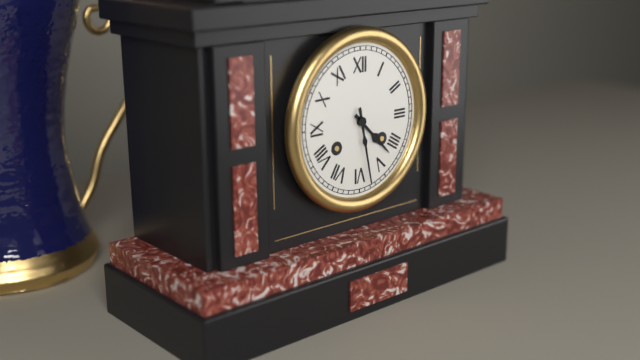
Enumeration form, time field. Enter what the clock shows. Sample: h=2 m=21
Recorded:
h=4 m=28
